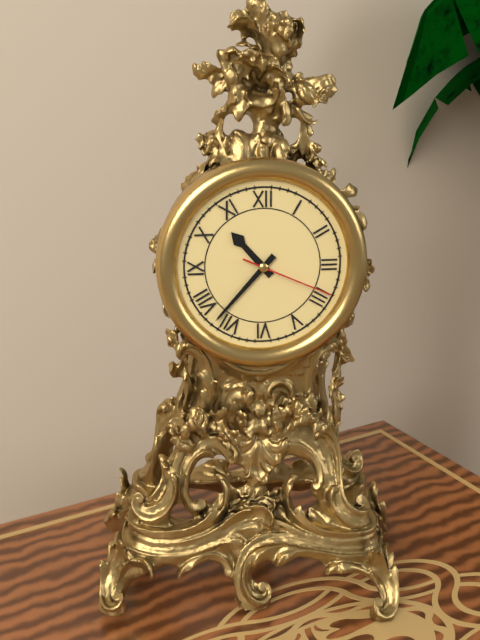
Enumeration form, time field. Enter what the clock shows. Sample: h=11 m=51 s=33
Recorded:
h=10 m=37 s=19
